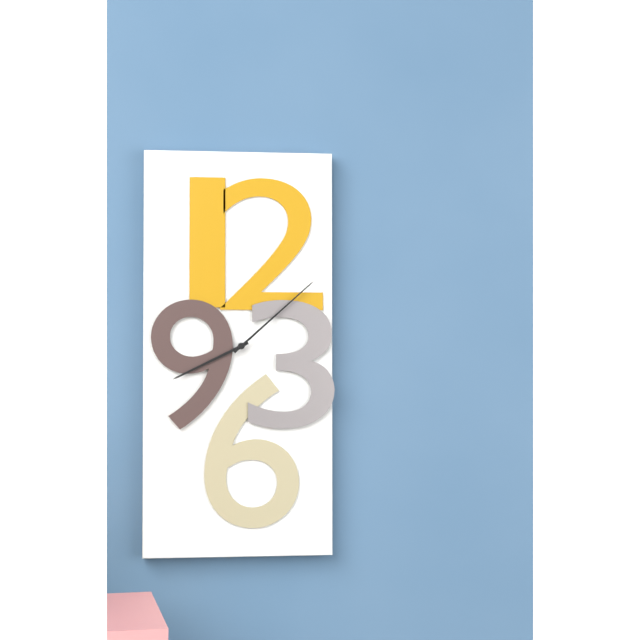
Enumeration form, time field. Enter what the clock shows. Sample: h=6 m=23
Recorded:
h=8 m=8
